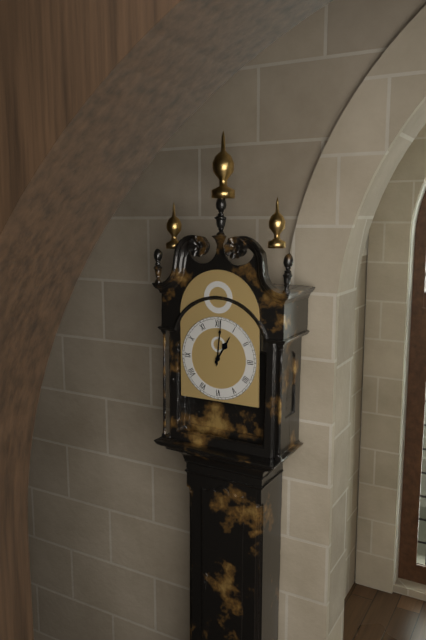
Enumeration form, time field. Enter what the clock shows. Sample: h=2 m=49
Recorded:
h=1 m=1
